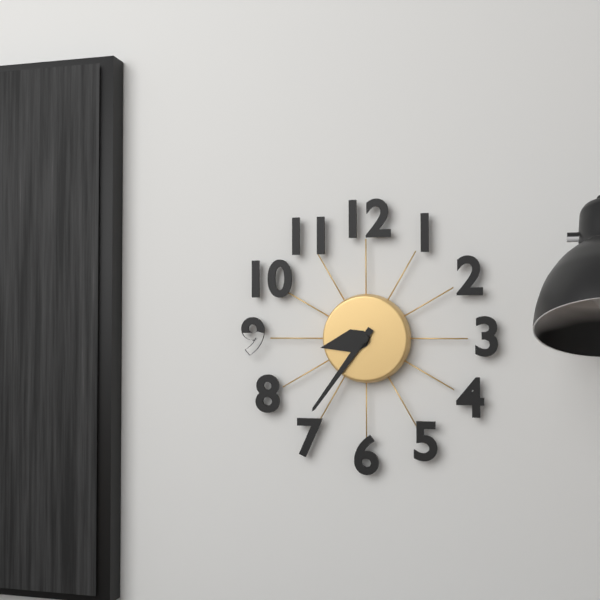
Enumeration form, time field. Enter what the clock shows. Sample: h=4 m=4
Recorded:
h=8 m=36
